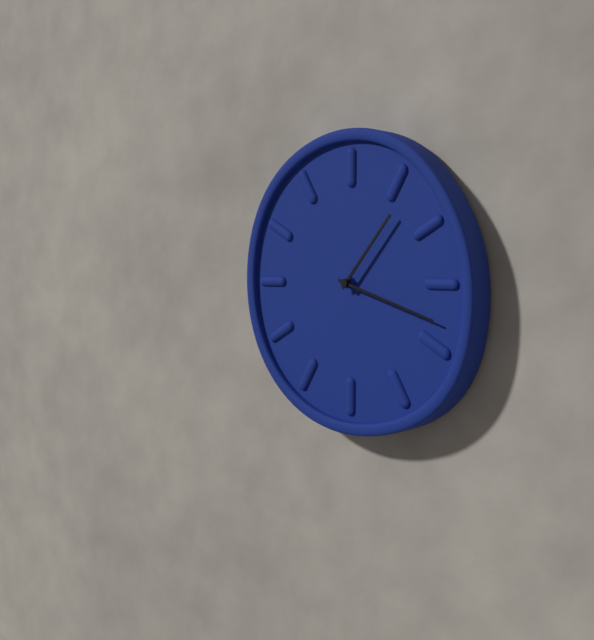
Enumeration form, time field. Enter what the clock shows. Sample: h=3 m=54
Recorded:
h=1 m=18
